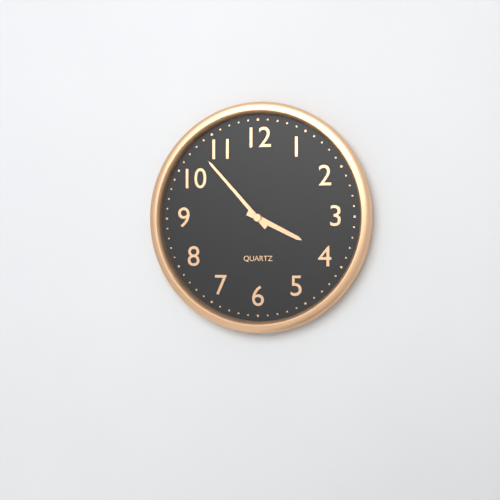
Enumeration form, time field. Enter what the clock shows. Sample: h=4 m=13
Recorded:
h=3 m=53
